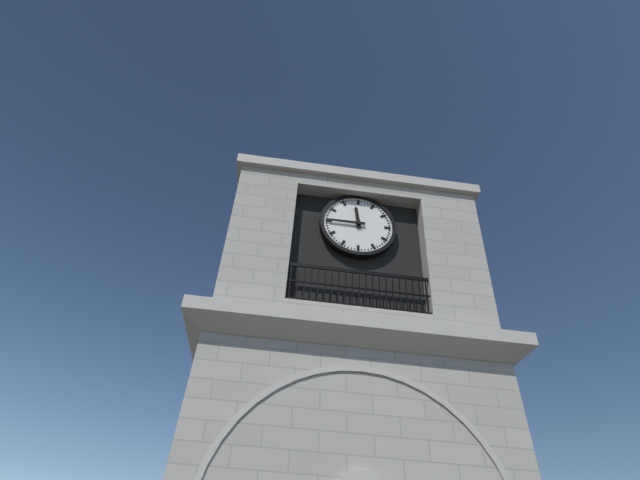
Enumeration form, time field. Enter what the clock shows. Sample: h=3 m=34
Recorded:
h=11 m=45
